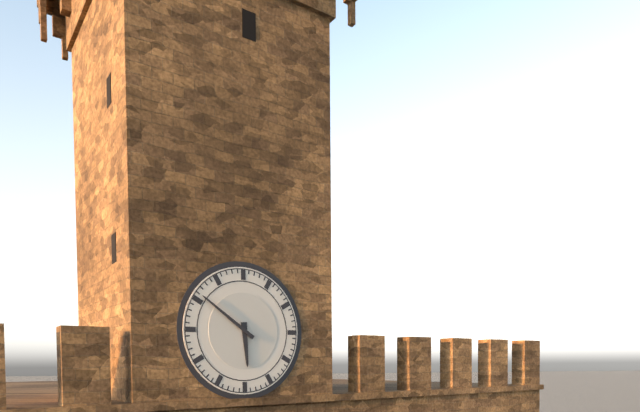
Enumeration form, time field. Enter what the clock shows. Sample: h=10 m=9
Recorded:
h=5 m=51
